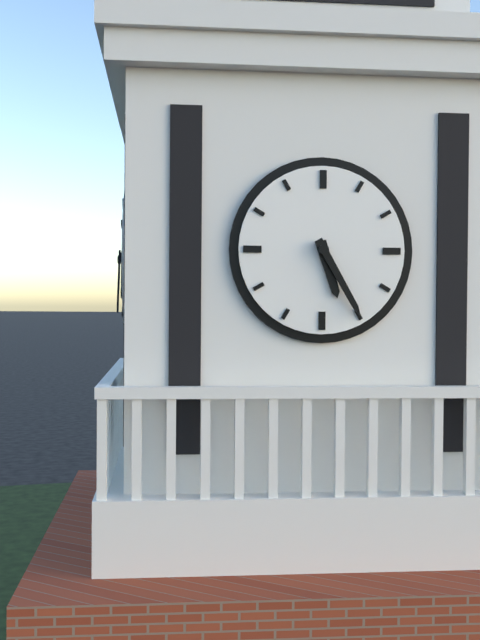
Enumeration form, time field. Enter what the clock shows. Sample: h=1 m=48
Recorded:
h=5 m=25
